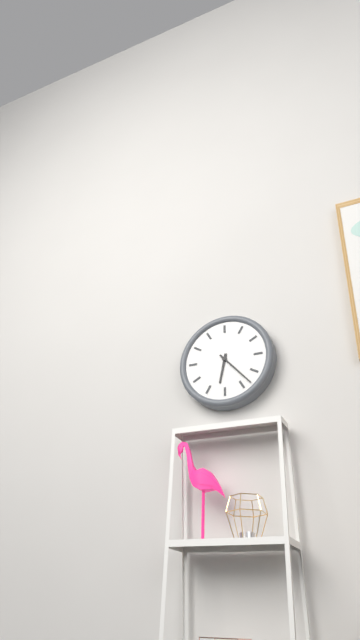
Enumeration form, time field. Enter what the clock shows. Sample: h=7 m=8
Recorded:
h=6 m=23
